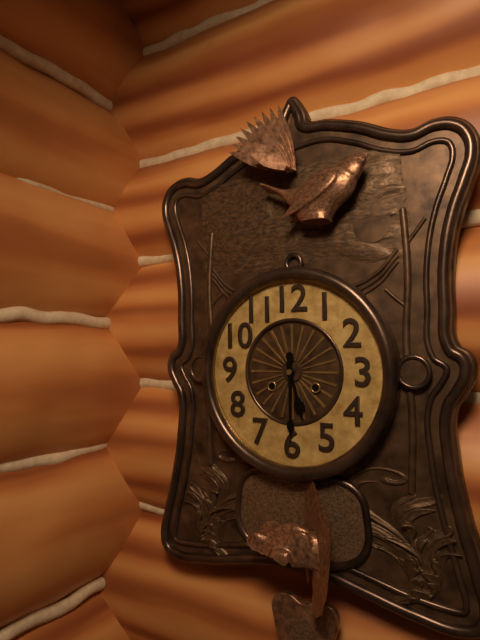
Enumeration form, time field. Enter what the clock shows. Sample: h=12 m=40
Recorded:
h=5 m=30
